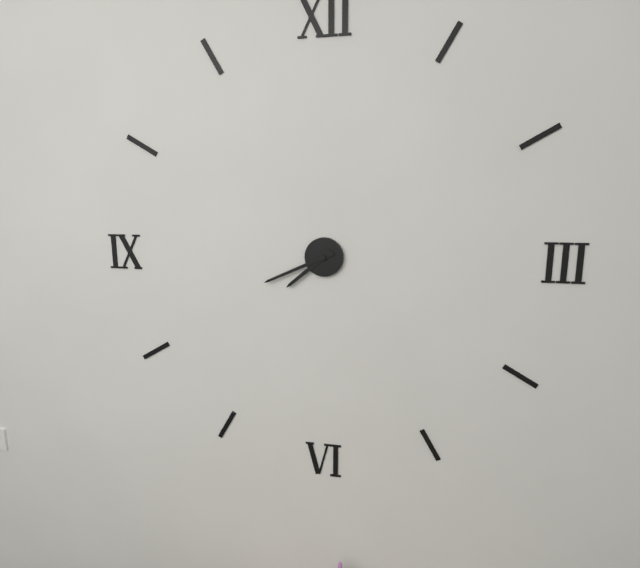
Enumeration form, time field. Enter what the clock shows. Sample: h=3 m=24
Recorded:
h=7 m=41
